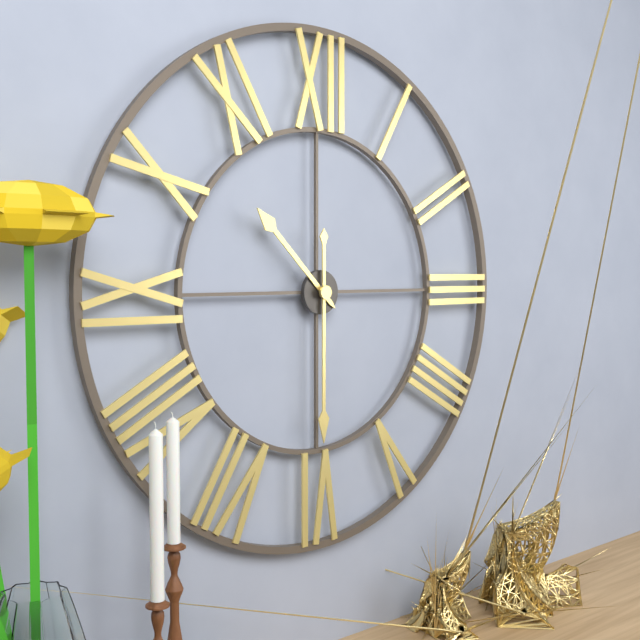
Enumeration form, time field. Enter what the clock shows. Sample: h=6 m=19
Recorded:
h=10 m=30
